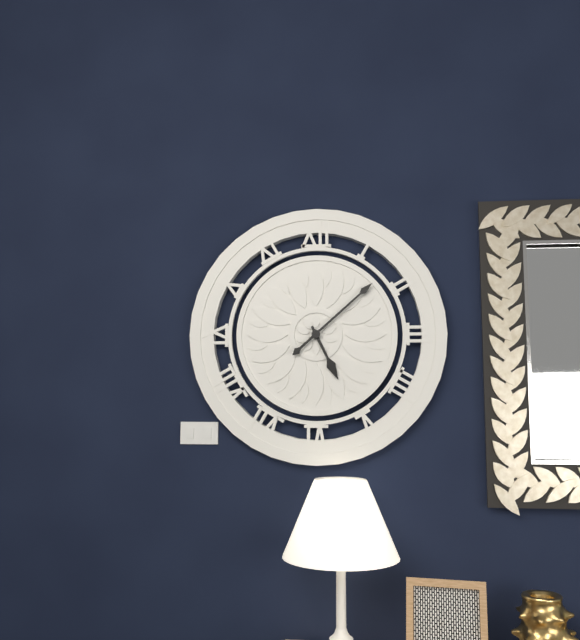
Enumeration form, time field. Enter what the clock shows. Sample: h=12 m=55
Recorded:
h=5 m=8
